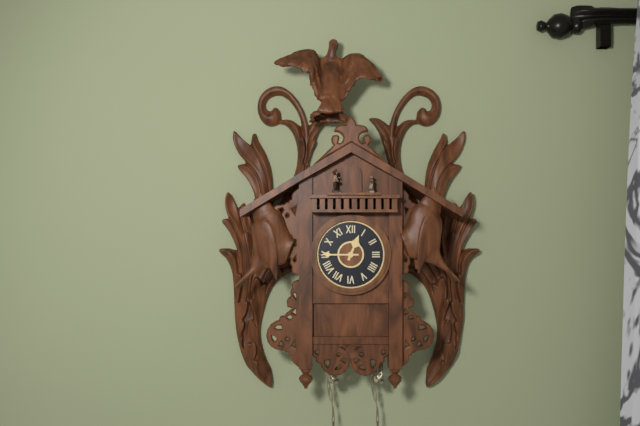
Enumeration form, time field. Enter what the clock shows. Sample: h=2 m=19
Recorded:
h=12 m=45
